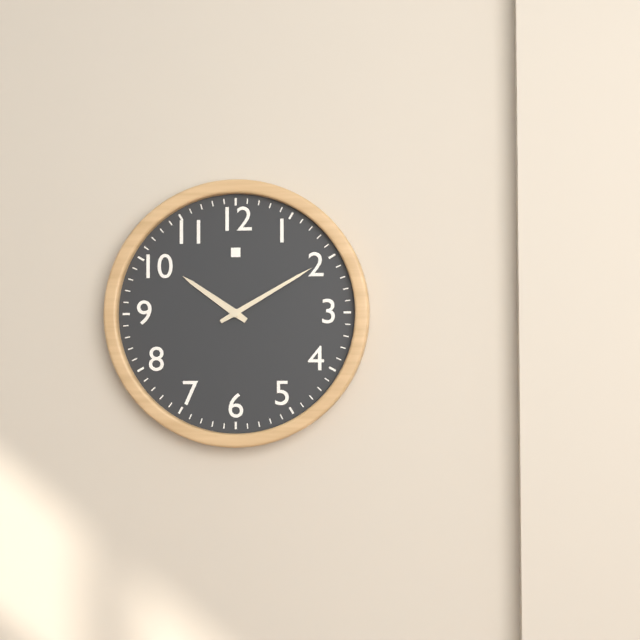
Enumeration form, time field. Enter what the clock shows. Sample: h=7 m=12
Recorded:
h=10 m=10
